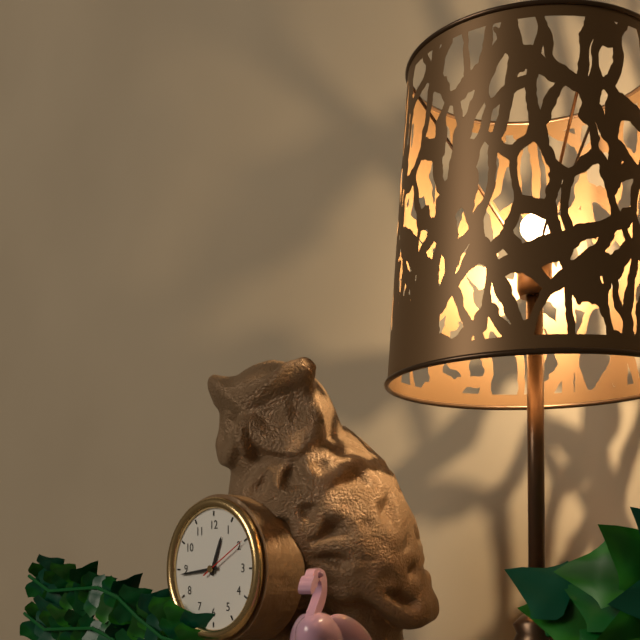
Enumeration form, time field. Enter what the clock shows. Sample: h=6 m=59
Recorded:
h=12 m=44
